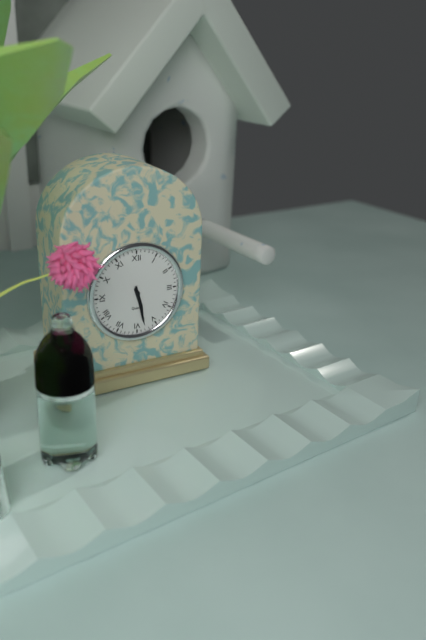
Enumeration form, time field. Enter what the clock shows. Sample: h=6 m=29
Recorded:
h=5 m=28
